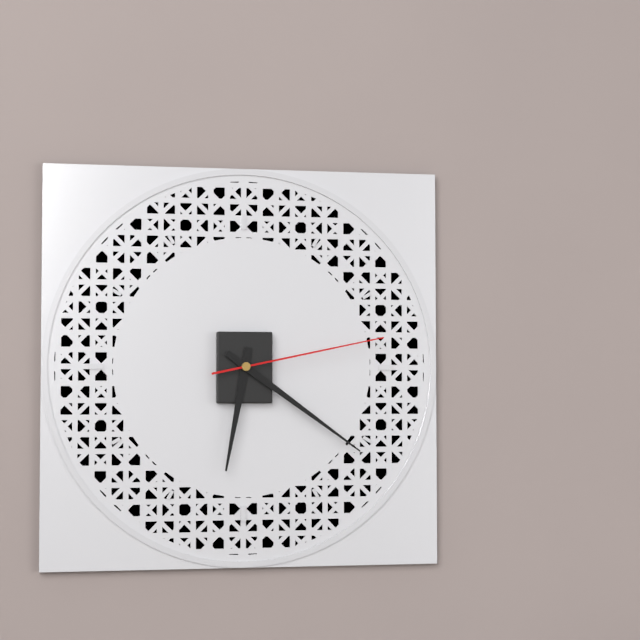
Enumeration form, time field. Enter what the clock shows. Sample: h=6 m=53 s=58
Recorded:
h=6 m=21 s=13
